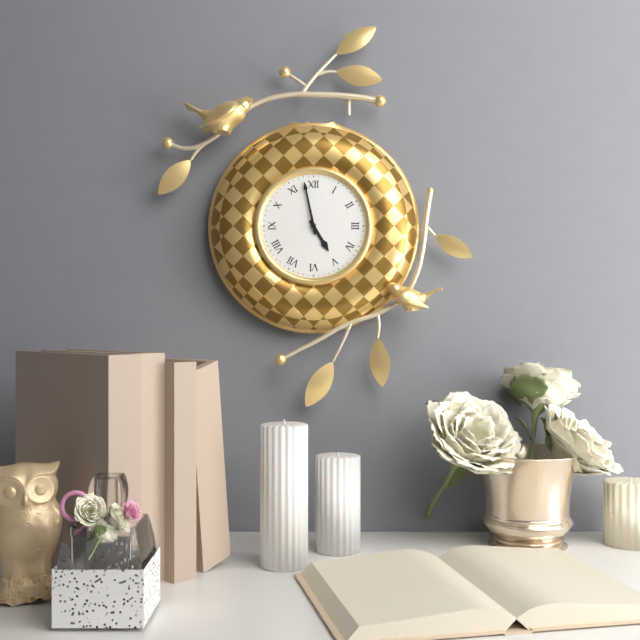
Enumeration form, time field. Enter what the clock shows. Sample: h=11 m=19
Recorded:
h=4 m=58
